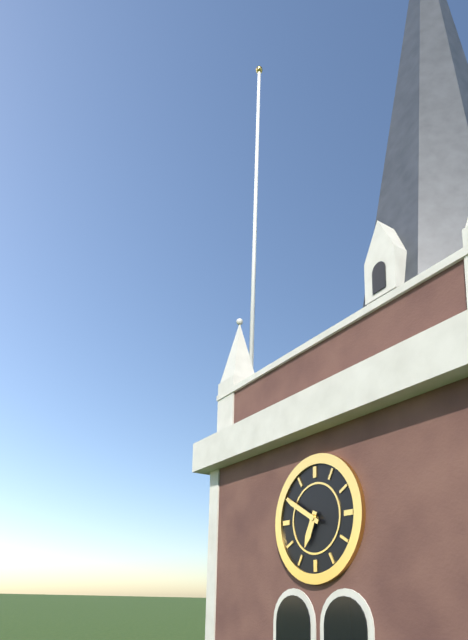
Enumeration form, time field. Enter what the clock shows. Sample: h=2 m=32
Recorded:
h=6 m=50
